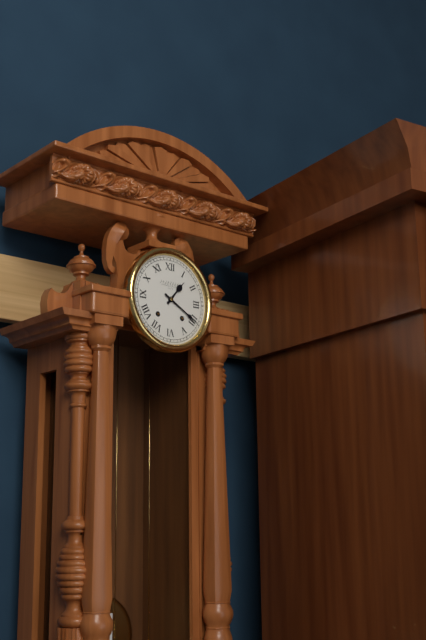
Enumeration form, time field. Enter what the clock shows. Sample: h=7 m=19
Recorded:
h=1 m=20
